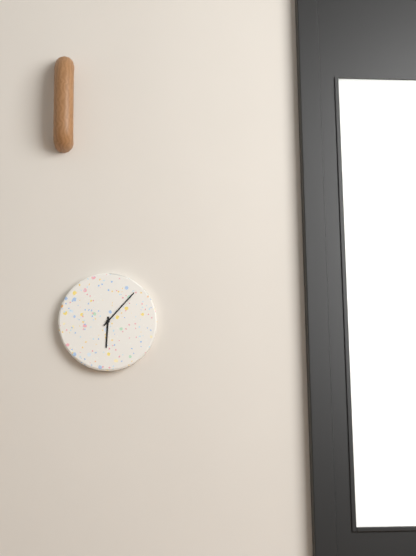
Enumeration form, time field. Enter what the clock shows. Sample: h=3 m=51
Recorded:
h=6 m=7
